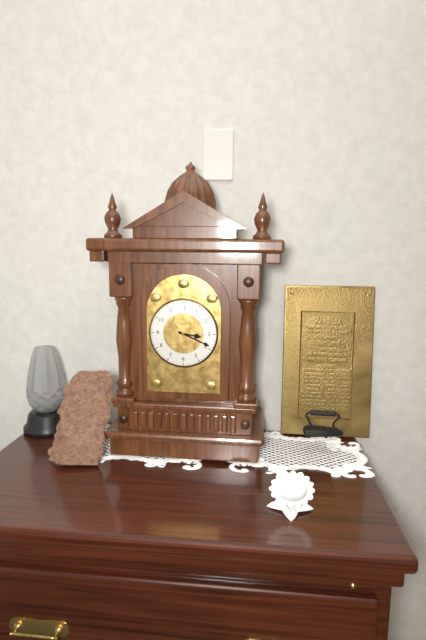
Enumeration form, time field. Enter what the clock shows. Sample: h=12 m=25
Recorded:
h=3 m=19
